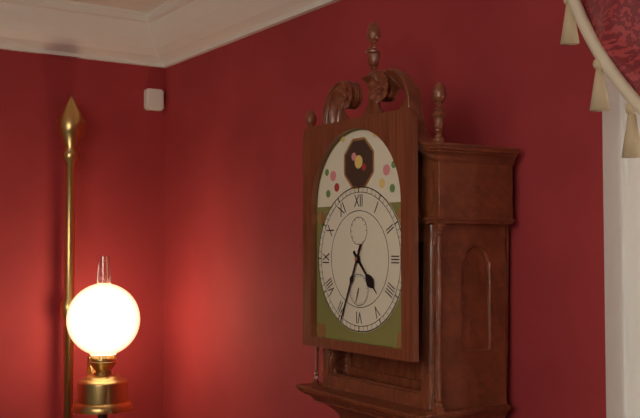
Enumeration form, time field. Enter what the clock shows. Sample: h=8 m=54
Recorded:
h=4 m=34
